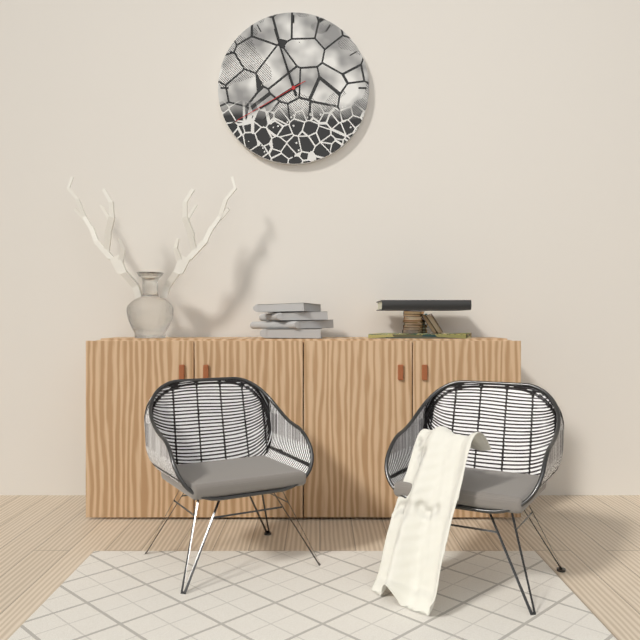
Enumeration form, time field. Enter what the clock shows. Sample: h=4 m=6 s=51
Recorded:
h=7 m=57 s=40
